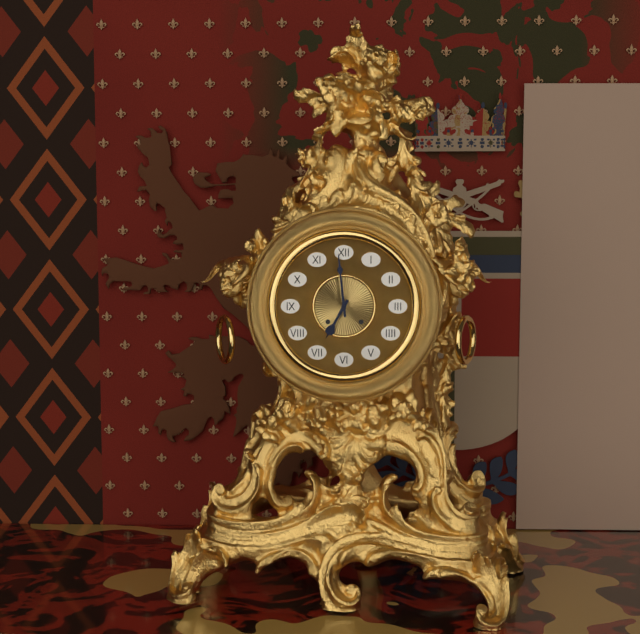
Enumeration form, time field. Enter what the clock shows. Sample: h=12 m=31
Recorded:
h=6 m=59
